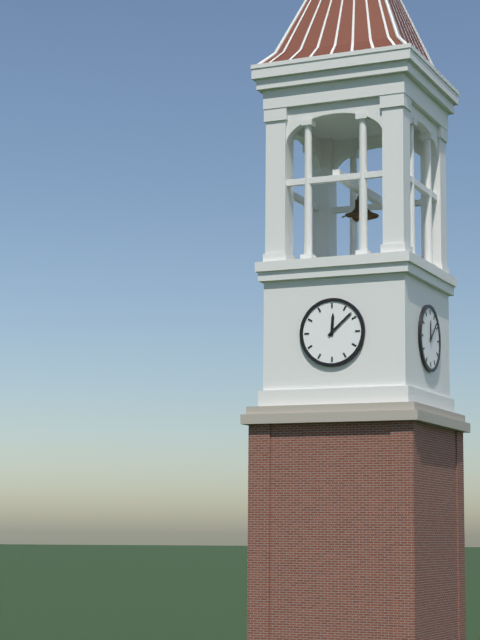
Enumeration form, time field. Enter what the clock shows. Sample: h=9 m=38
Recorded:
h=12 m=8
